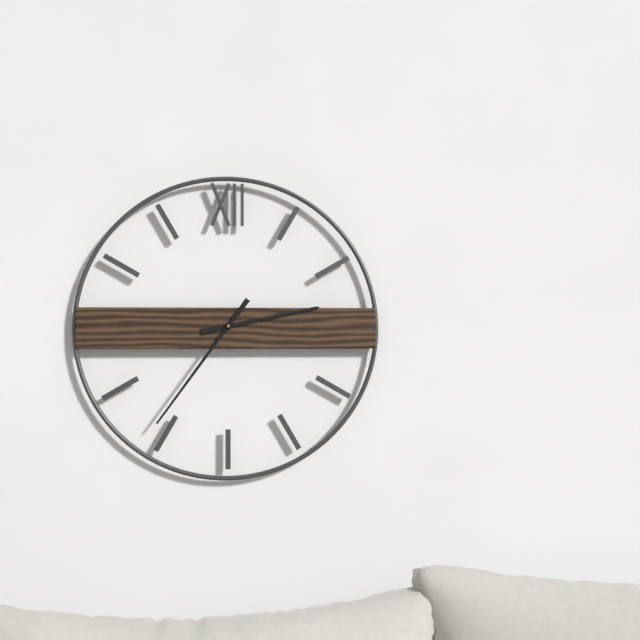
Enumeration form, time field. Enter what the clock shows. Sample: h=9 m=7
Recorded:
h=2 m=36
